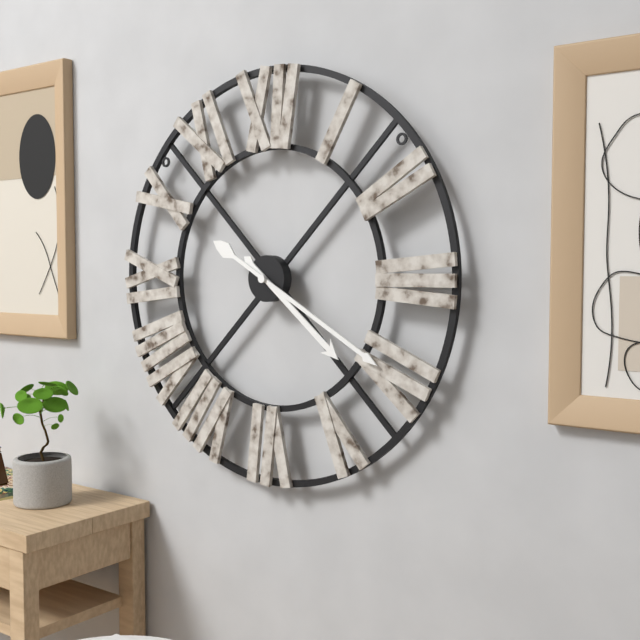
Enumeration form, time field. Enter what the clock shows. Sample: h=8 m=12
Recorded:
h=4 m=20
